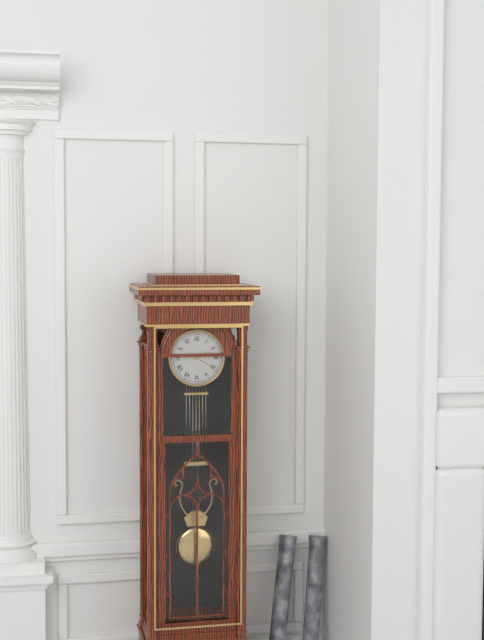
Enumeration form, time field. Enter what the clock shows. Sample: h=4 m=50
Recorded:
h=2 m=20
